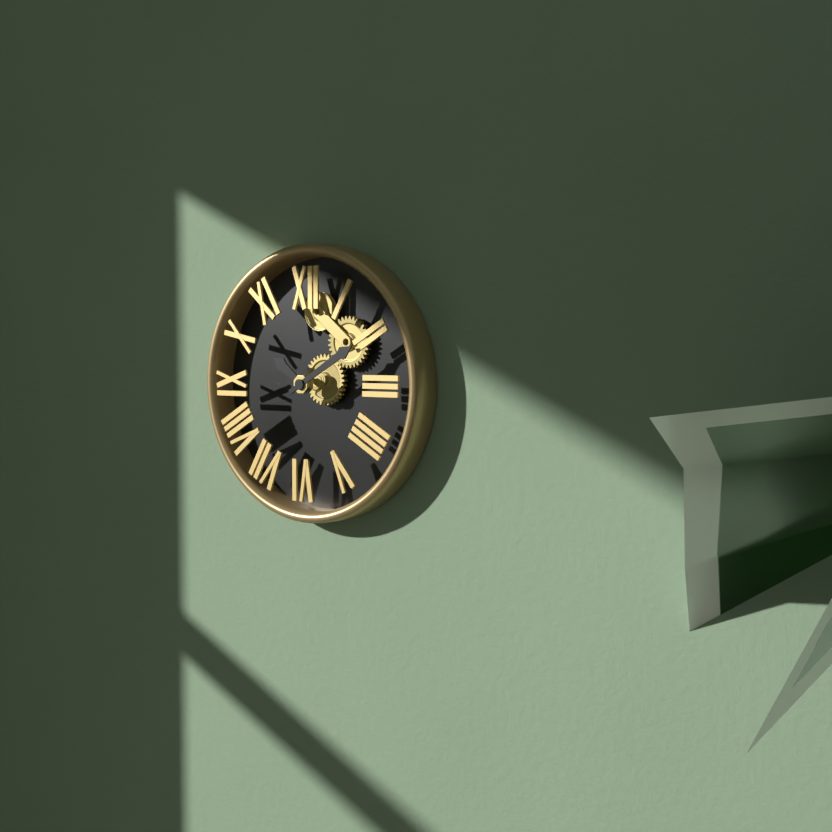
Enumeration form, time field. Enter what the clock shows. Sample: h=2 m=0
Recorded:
h=10 m=10
